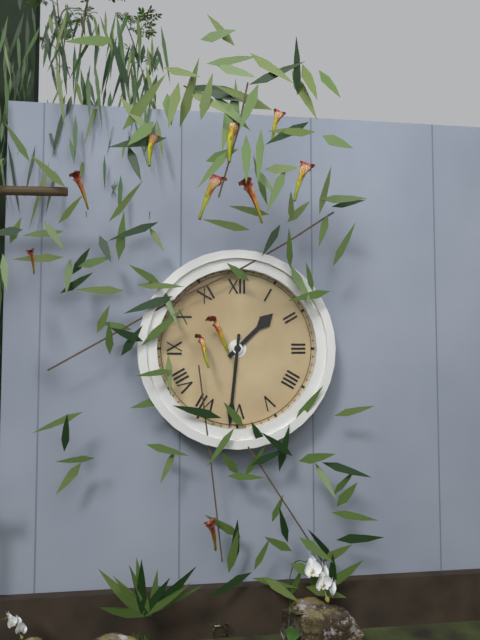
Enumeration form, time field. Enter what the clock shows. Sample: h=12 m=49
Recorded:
h=1 m=31
